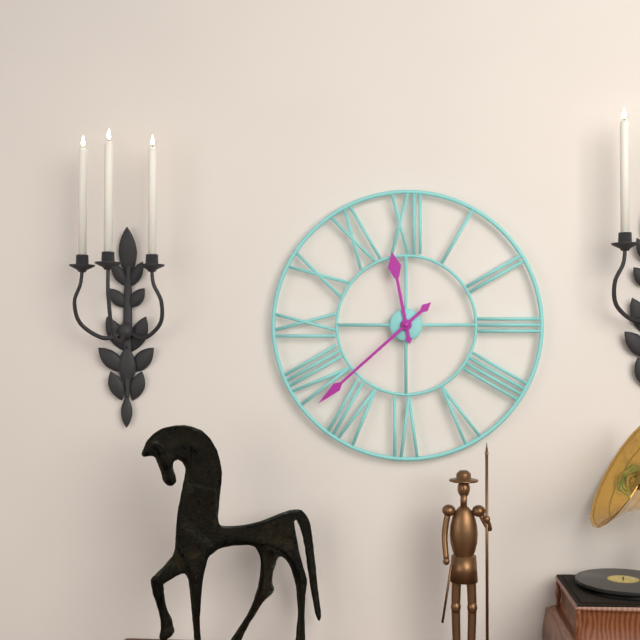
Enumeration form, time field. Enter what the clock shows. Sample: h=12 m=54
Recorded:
h=11 m=38
